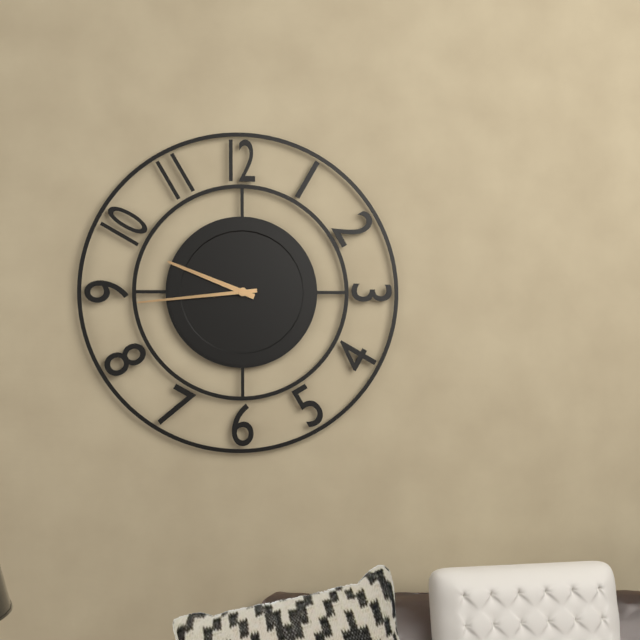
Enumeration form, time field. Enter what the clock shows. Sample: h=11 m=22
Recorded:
h=9 m=44
